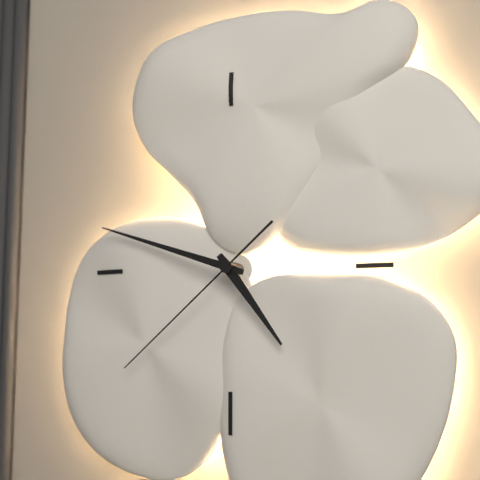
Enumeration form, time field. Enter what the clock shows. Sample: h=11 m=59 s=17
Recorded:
h=4 m=48 s=38
